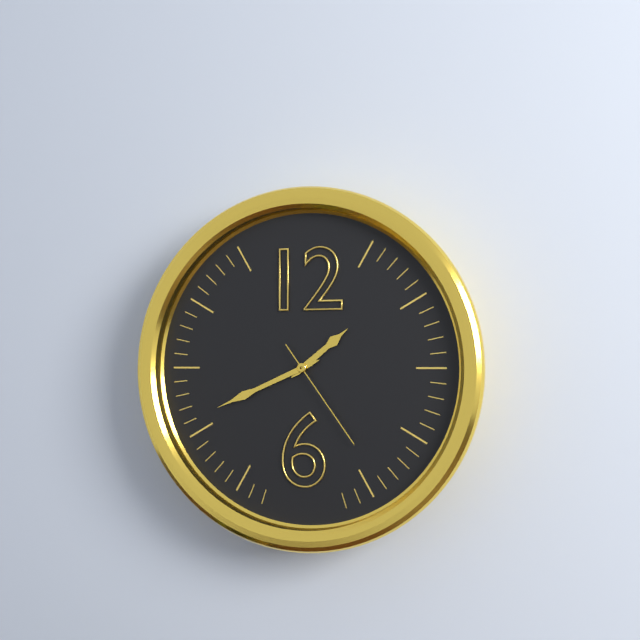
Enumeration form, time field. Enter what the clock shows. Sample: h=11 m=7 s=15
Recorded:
h=1 m=41 s=24
